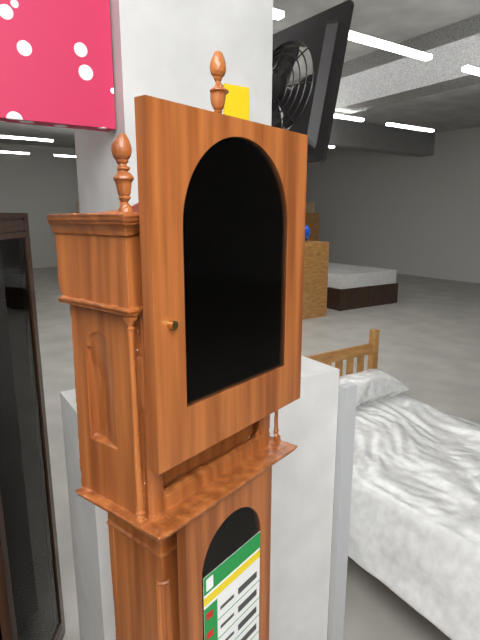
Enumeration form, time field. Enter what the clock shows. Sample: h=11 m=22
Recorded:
h=10 m=1
